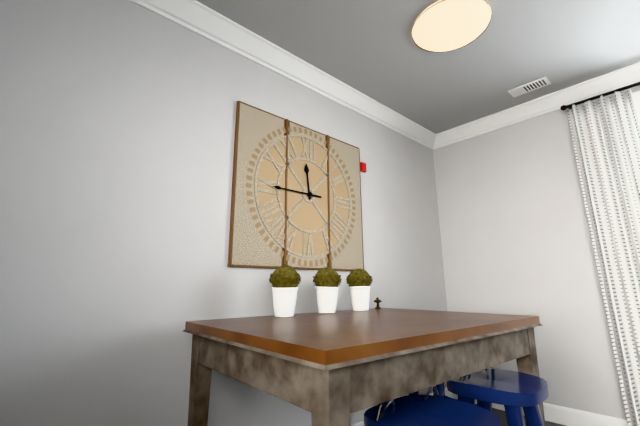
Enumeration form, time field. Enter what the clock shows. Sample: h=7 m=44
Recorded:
h=11 m=45
